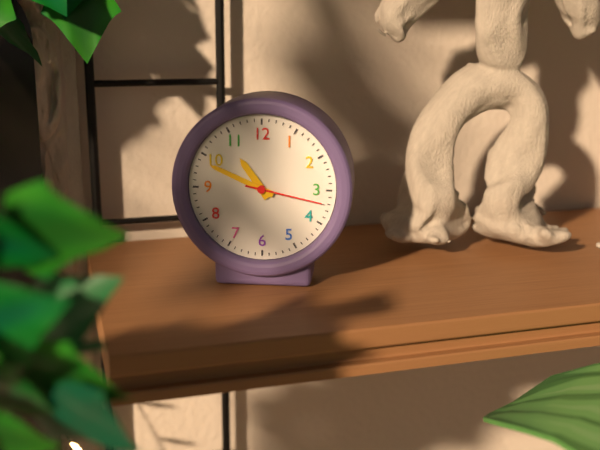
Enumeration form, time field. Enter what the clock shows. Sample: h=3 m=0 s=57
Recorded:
h=10 m=49 s=17
